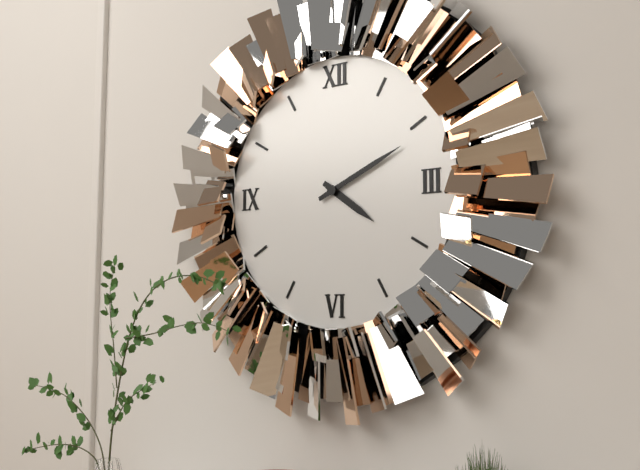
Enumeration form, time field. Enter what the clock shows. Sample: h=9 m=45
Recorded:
h=4 m=11
